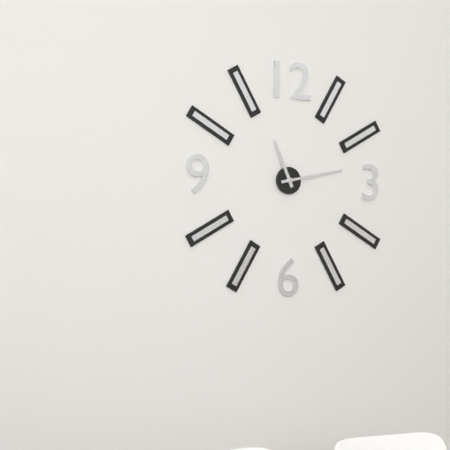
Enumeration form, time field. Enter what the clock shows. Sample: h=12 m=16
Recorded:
h=11 m=13
